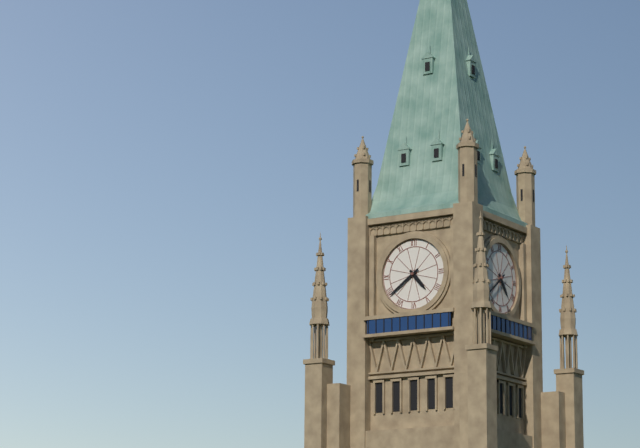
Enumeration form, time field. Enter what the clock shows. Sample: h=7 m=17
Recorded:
h=4 m=39
